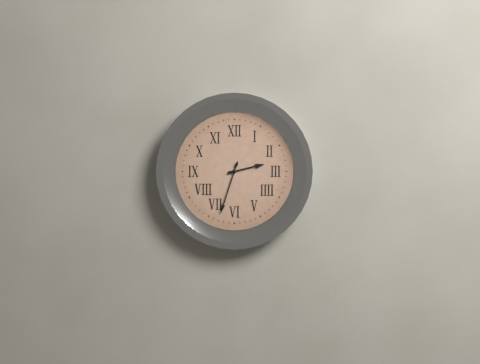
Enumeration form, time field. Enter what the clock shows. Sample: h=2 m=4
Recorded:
h=2 m=33
